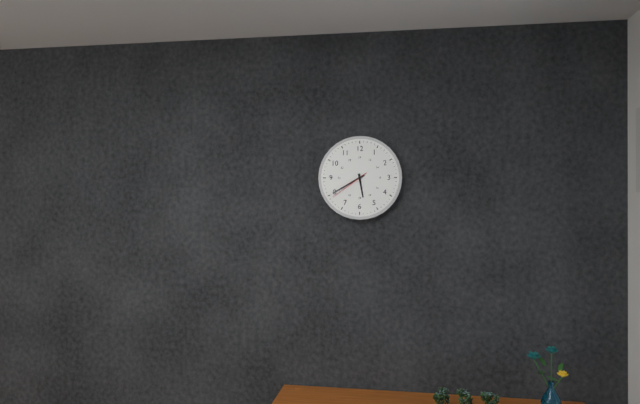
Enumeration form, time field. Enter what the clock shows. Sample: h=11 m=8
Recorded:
h=5 m=40
